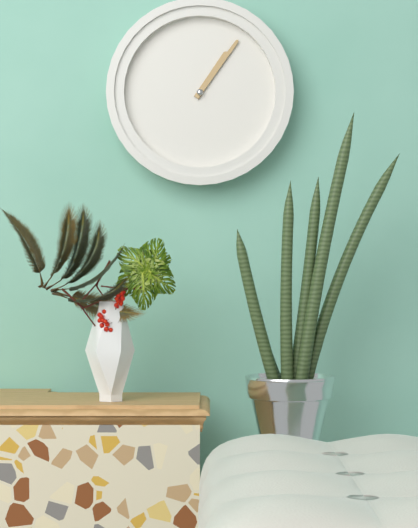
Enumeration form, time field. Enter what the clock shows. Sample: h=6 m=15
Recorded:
h=1 m=6
